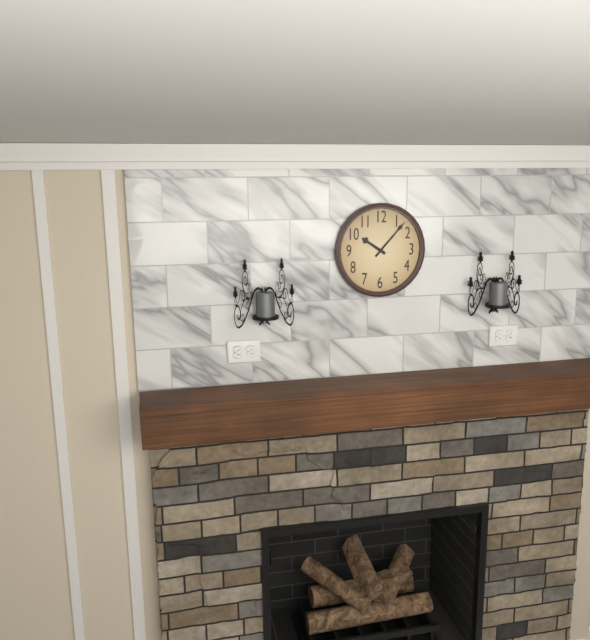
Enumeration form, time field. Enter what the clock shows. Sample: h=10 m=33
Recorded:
h=10 m=7
